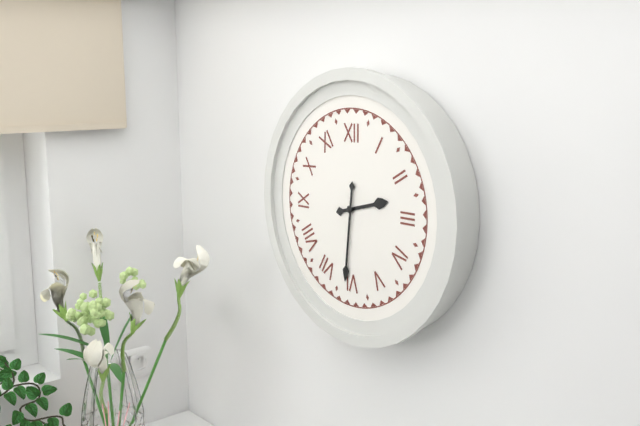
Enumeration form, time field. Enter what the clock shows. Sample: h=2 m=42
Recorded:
h=2 m=31
